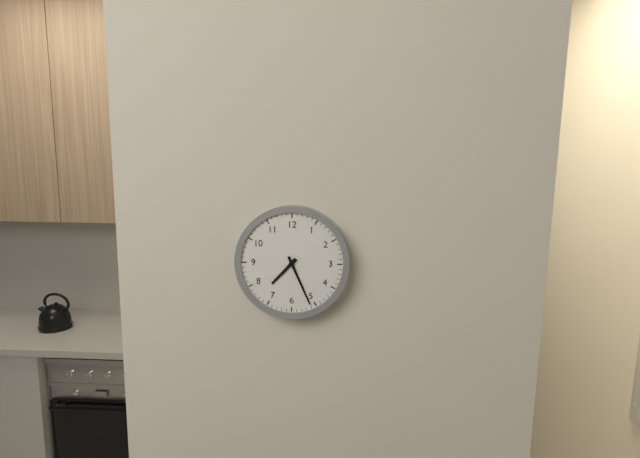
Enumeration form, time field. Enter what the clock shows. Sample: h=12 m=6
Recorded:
h=7 m=26
